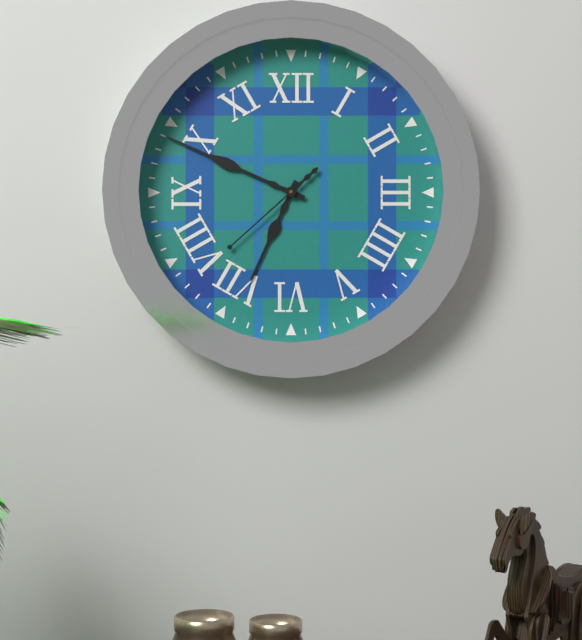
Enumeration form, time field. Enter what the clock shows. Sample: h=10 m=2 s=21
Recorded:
h=6 m=49 s=38
